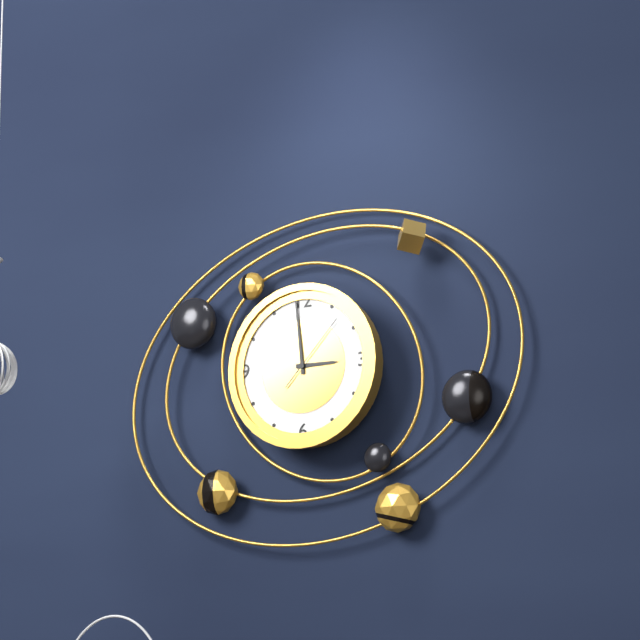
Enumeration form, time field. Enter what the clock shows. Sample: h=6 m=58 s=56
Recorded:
h=2 m=59 s=7
